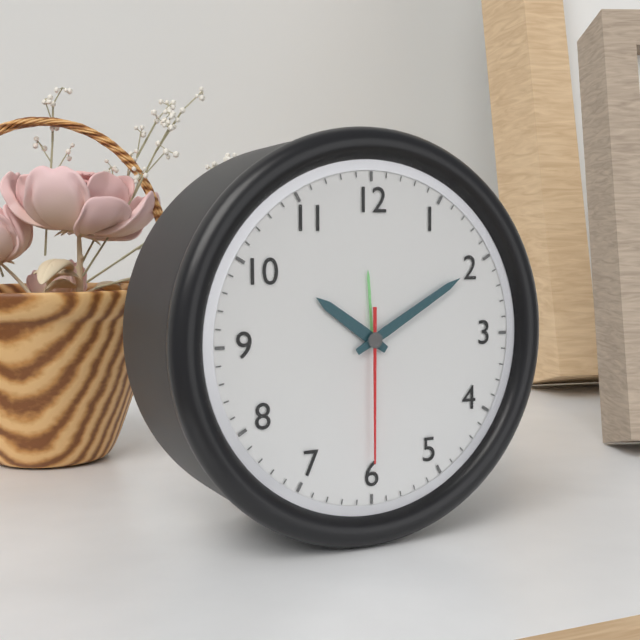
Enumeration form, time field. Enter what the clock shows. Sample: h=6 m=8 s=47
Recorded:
h=10 m=10 s=30
